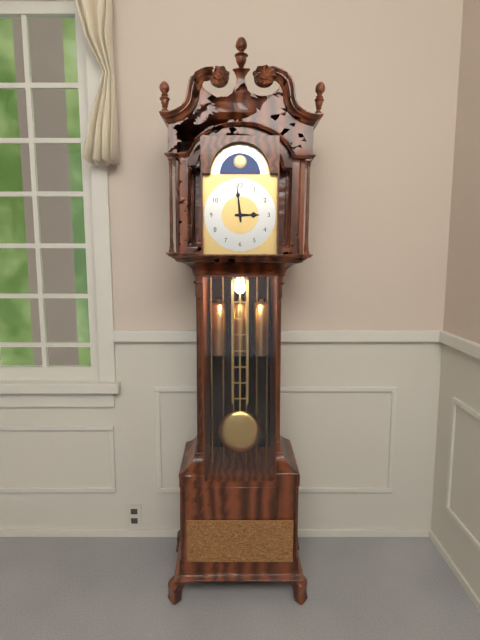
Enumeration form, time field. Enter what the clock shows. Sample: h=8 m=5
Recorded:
h=2 m=59
